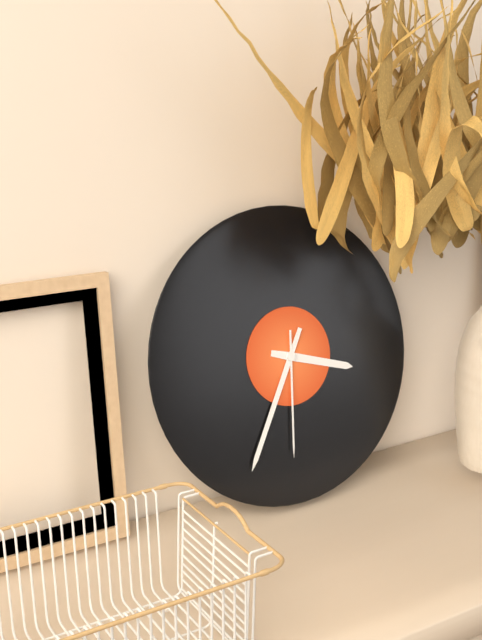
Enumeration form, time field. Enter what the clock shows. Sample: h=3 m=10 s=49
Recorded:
h=3 m=35 s=31
